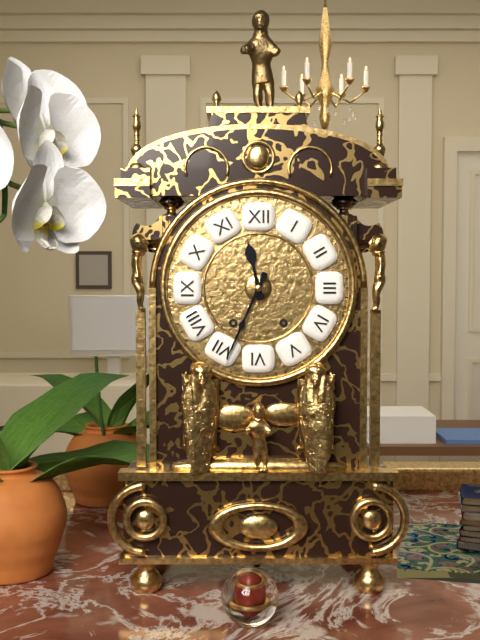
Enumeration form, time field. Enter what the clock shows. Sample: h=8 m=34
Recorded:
h=11 m=34
